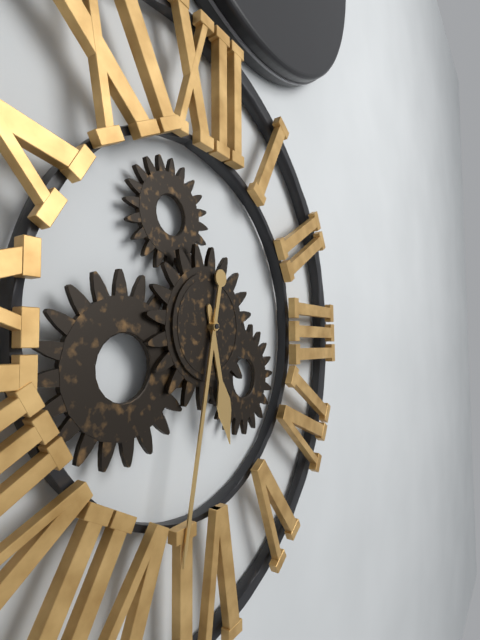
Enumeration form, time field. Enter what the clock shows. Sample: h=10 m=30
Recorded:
h=5 m=32
